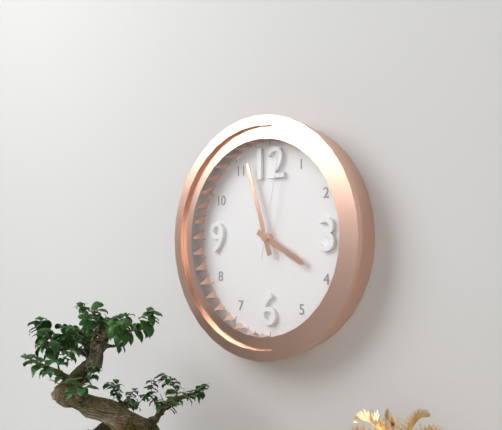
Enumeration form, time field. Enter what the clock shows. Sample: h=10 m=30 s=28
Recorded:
h=3 m=57 s=2
